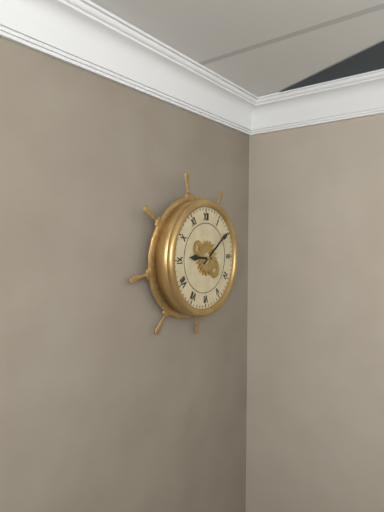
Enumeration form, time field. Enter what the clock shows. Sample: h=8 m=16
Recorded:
h=9 m=9
